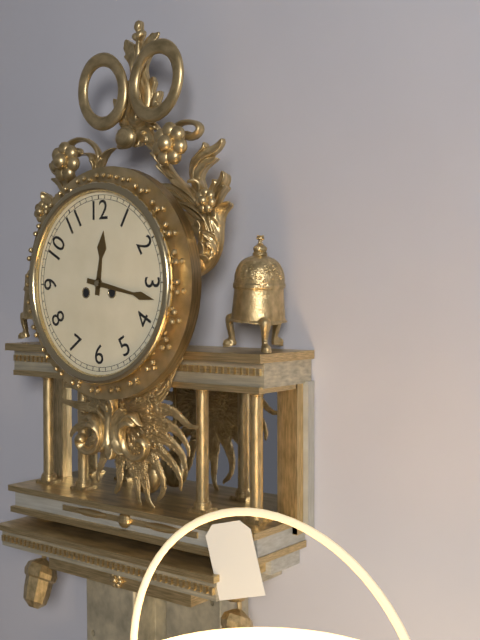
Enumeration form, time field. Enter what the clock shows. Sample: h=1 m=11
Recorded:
h=12 m=17
